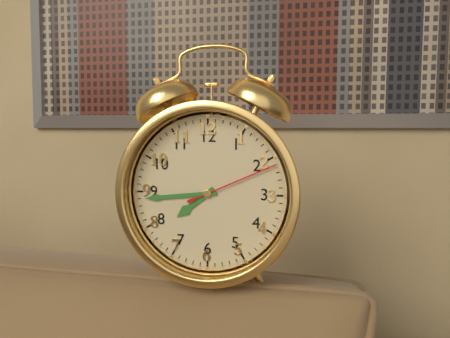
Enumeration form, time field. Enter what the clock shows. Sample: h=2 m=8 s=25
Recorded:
h=7 m=44 s=11
